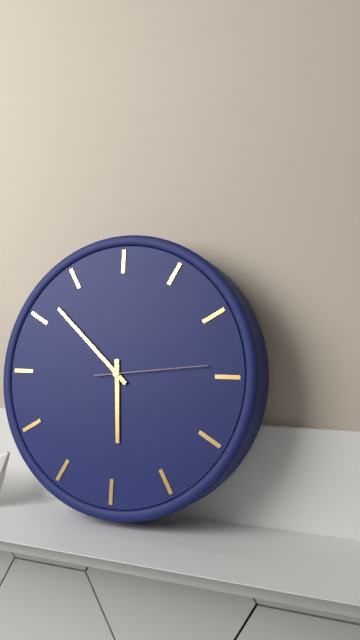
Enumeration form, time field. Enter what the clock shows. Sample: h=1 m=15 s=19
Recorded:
h=5 m=52 s=14
